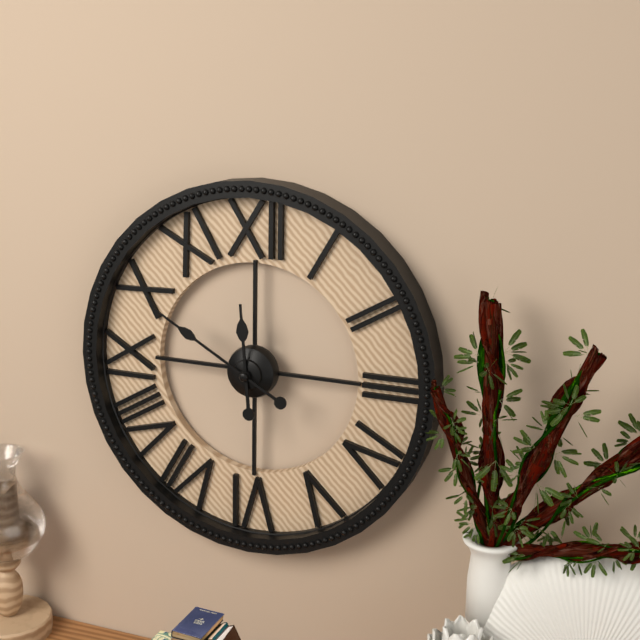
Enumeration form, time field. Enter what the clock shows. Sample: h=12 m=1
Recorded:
h=11 m=50
